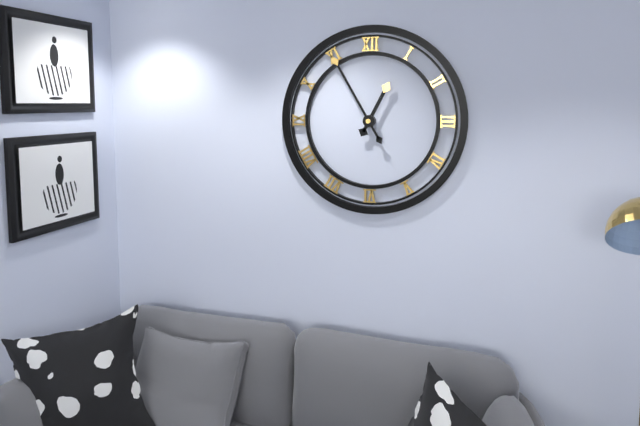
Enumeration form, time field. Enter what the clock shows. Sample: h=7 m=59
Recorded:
h=12 m=55
